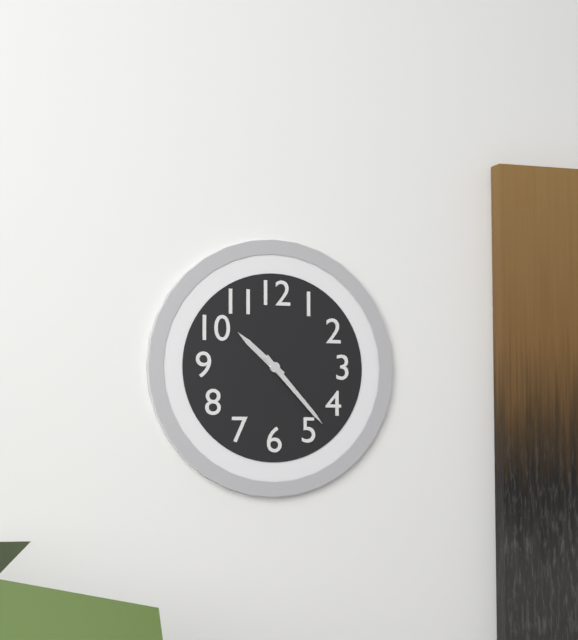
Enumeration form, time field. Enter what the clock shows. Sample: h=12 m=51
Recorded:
h=10 m=23
